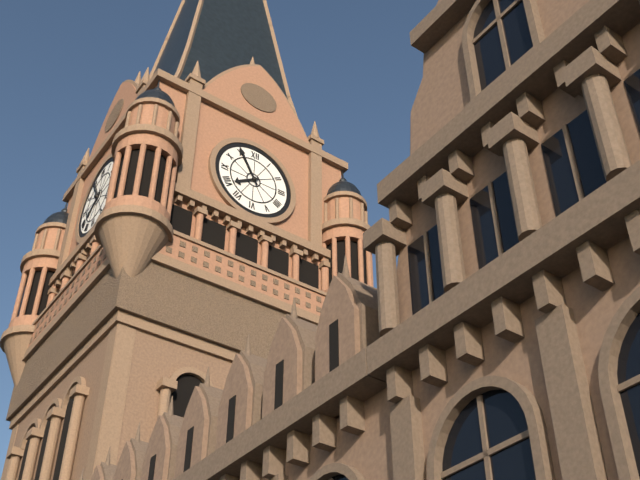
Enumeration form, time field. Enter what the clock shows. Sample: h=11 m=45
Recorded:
h=7 m=55
